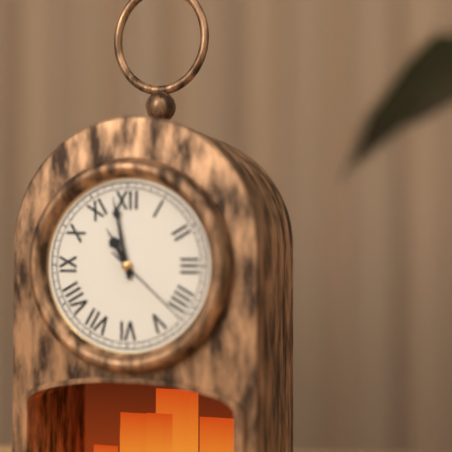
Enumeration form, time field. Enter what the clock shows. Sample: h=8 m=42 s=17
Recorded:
h=10 m=58 s=22
